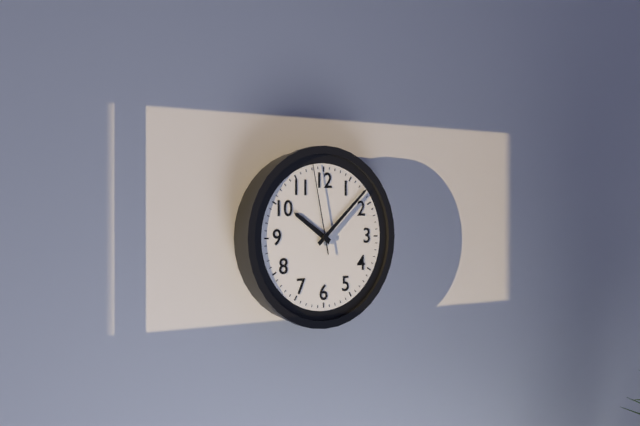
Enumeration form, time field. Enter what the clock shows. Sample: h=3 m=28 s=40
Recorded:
h=10 m=8 s=58
